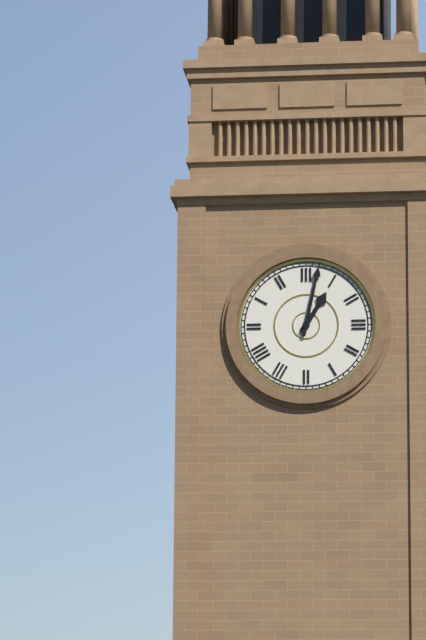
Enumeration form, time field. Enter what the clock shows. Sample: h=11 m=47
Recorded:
h=1 m=2
